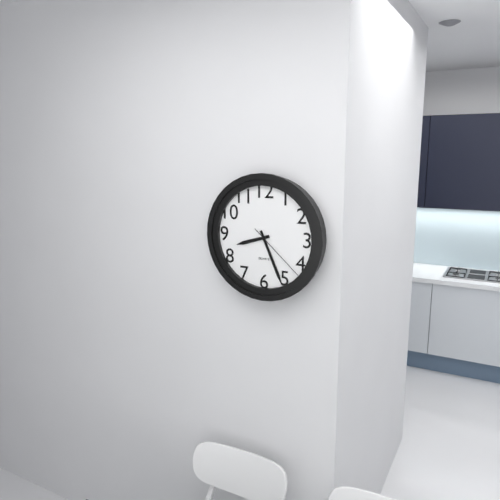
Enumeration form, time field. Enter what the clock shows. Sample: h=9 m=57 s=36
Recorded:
h=8 m=26 s=22
